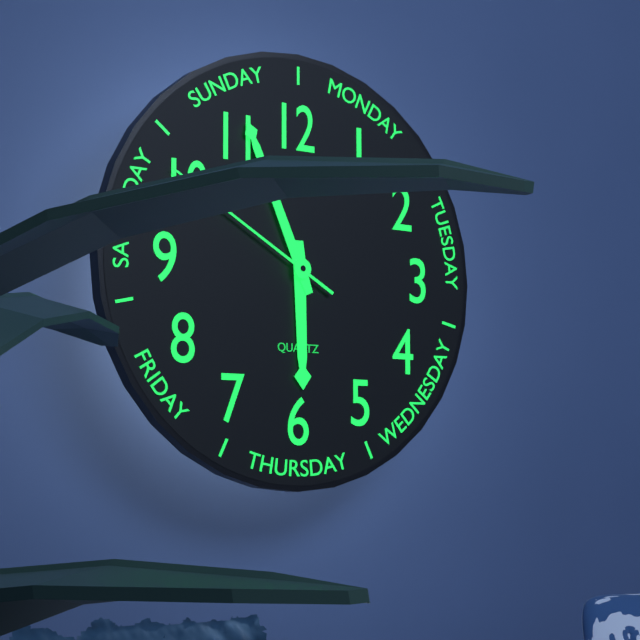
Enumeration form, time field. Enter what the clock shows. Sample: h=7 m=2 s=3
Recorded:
h=5 m=56 s=50
